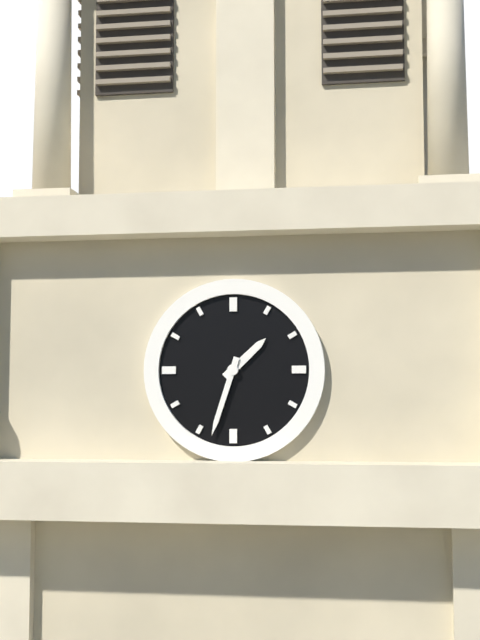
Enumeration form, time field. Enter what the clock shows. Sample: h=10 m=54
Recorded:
h=1 m=33
